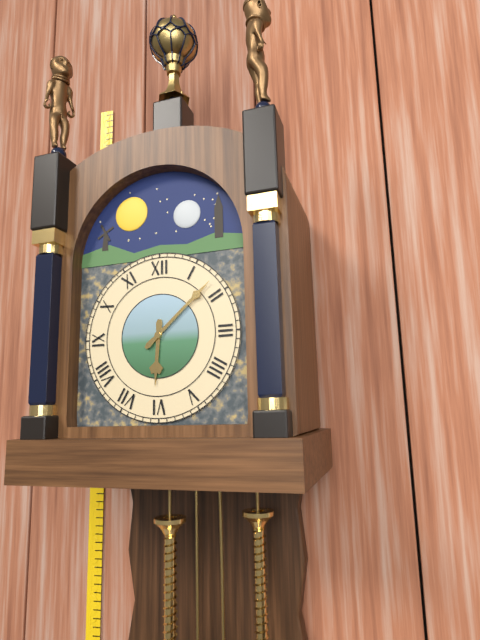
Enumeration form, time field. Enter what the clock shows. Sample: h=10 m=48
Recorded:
h=6 m=8
